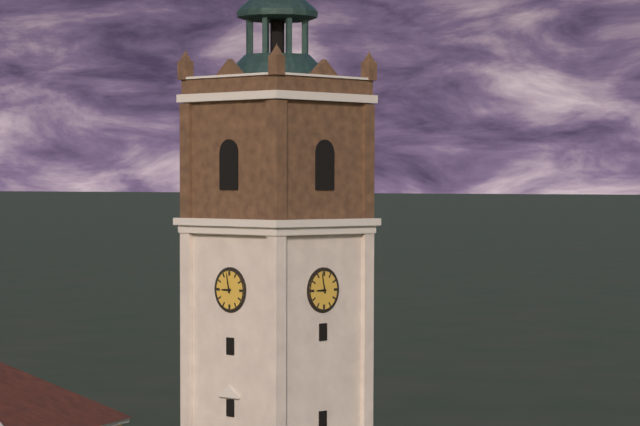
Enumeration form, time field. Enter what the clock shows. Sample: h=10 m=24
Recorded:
h=8 m=58
